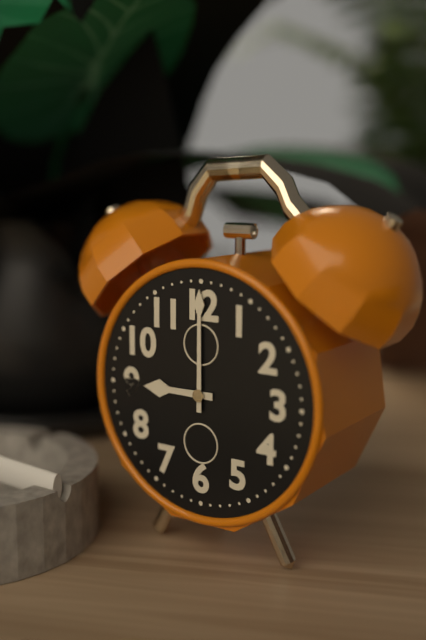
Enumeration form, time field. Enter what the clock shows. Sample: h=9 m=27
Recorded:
h=9 m=0
